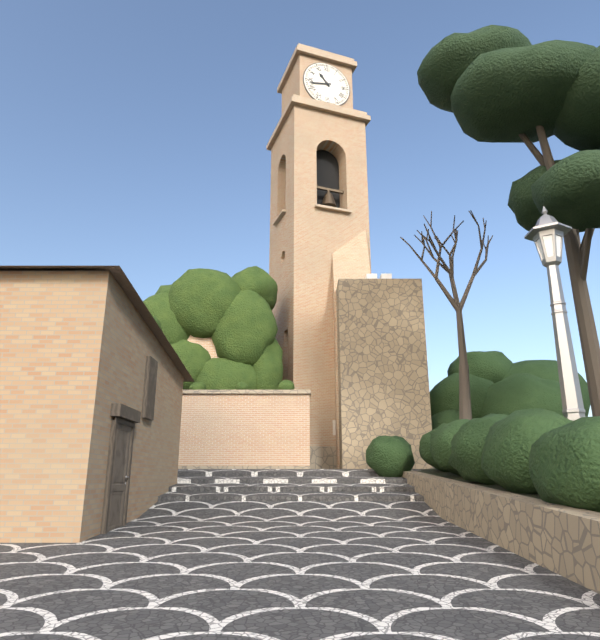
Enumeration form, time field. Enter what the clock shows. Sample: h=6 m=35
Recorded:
h=10 m=43
